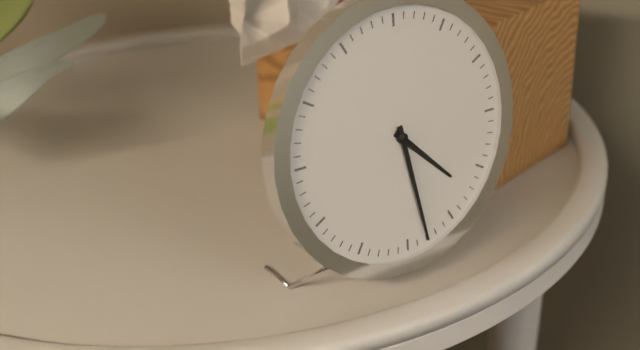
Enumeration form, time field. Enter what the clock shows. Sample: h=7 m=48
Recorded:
h=4 m=28
